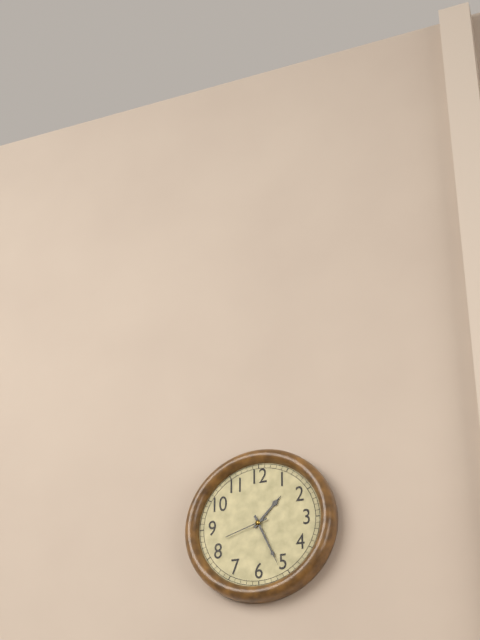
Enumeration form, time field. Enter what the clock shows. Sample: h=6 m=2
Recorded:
h=1 m=26
